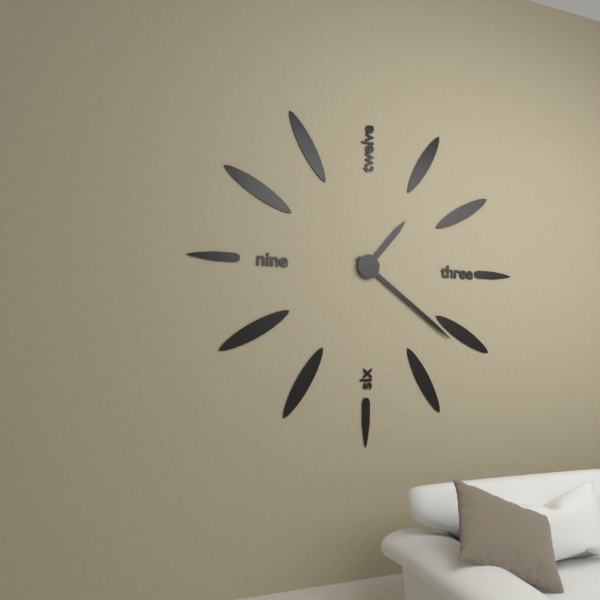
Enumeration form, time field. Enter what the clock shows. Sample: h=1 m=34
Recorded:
h=1 m=21
